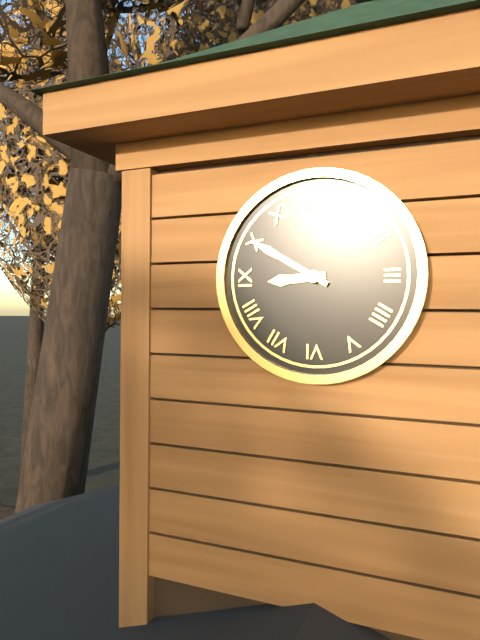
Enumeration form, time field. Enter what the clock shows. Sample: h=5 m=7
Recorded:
h=8 m=50
